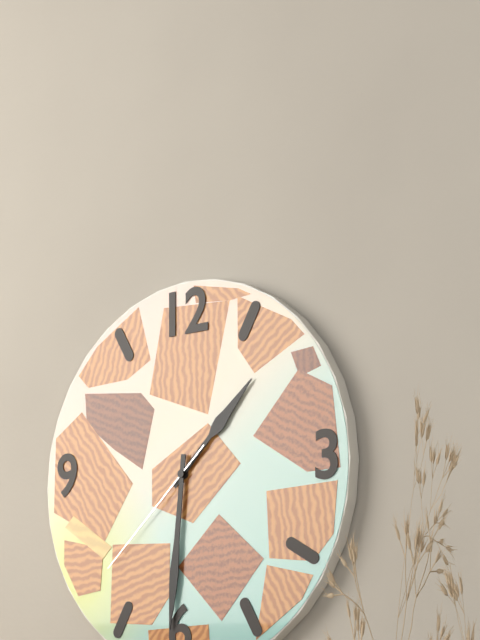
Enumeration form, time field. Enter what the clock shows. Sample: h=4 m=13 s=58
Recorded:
h=1 m=31 s=38
